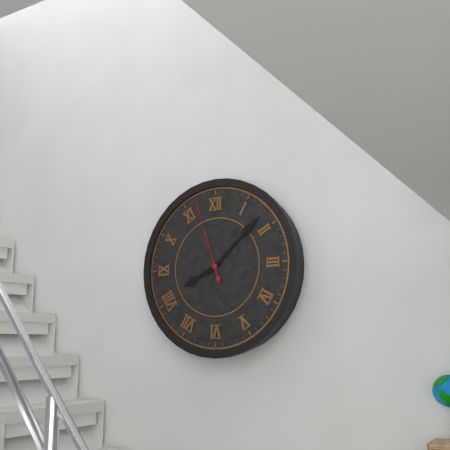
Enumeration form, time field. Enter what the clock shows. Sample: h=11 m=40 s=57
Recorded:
h=8 m=8 s=57
